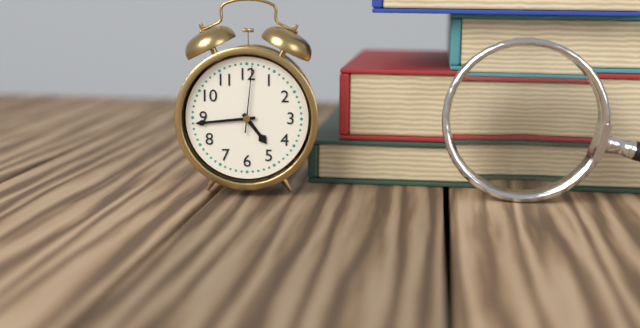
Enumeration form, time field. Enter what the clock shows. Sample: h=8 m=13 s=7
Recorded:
h=4 m=44 s=1
